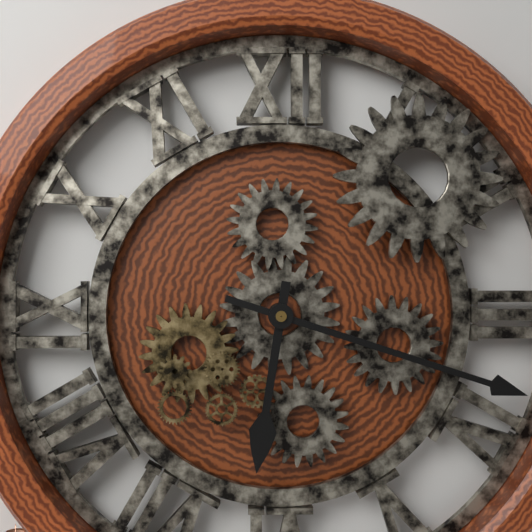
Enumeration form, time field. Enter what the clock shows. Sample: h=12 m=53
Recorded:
h=6 m=18
